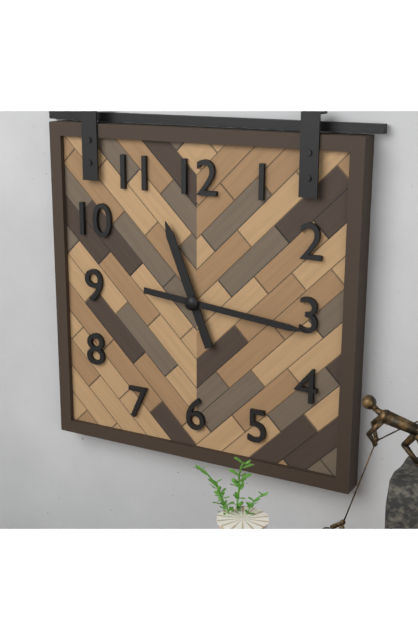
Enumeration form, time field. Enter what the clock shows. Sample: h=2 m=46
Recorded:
h=11 m=16
